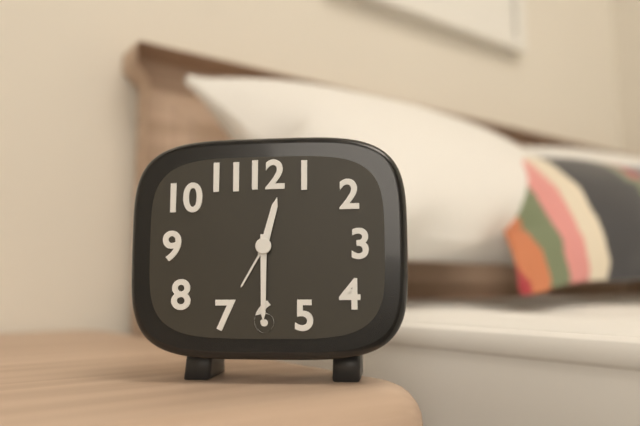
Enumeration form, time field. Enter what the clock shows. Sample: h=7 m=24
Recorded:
h=12 m=30
